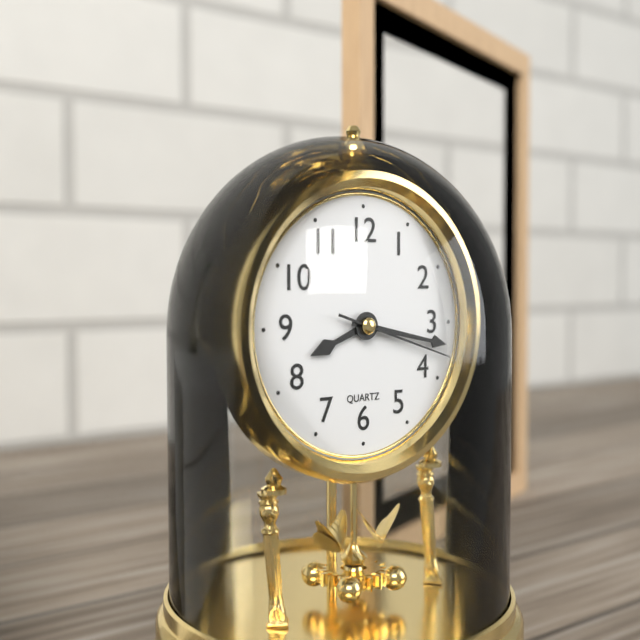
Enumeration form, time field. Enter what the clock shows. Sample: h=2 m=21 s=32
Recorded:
h=8 m=17 s=18
